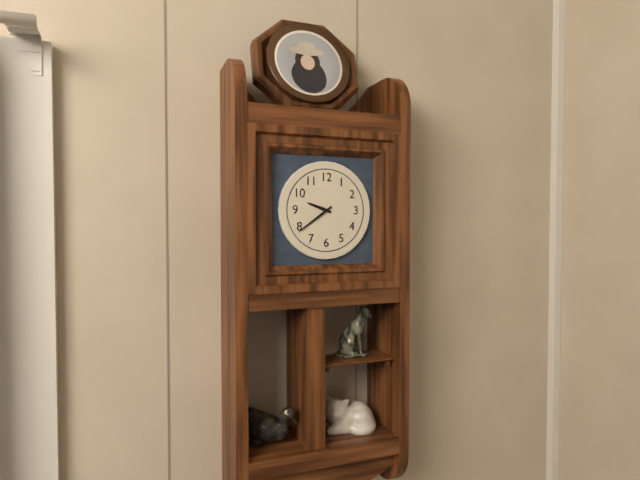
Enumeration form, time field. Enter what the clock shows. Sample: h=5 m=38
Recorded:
h=9 m=39
